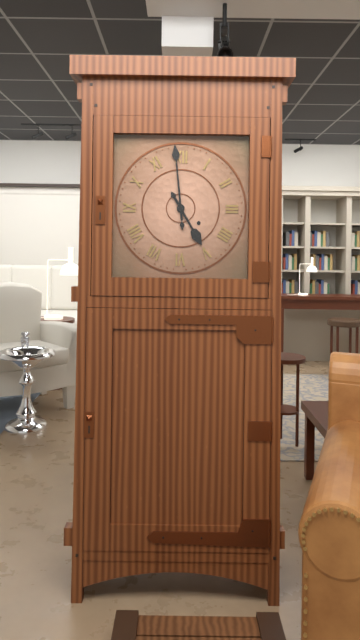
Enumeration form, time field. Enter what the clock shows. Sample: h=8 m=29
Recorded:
h=4 m=59
